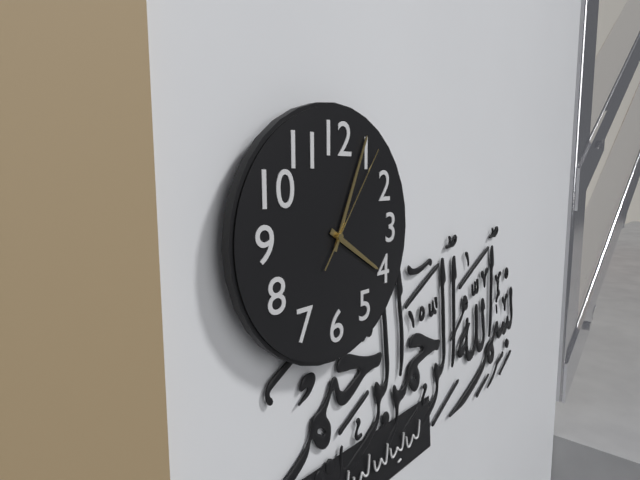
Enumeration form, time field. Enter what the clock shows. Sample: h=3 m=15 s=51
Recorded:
h=4 m=4 s=6
